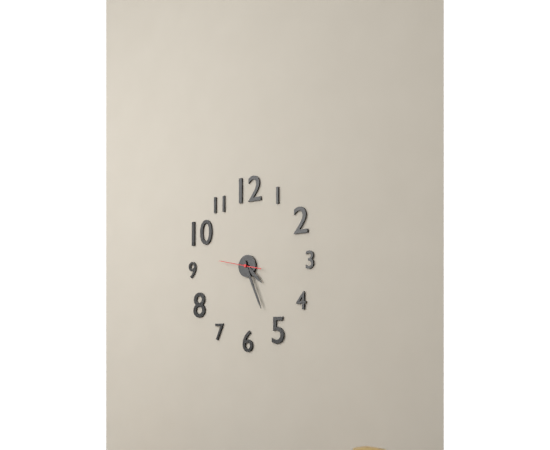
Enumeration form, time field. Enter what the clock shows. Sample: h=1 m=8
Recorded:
h=4 m=26
